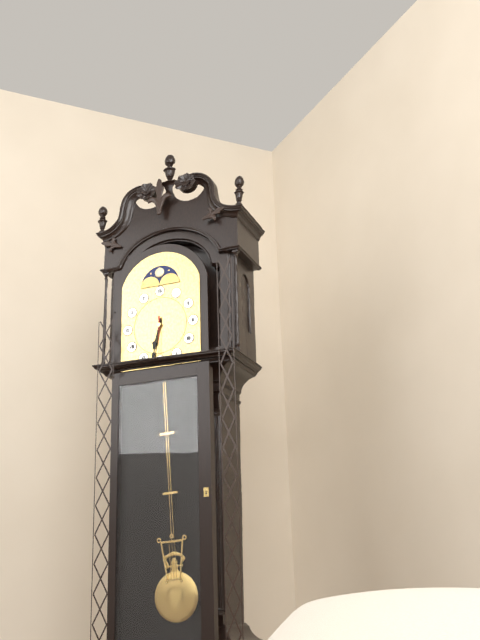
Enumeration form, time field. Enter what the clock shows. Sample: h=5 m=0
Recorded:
h=6 m=32
